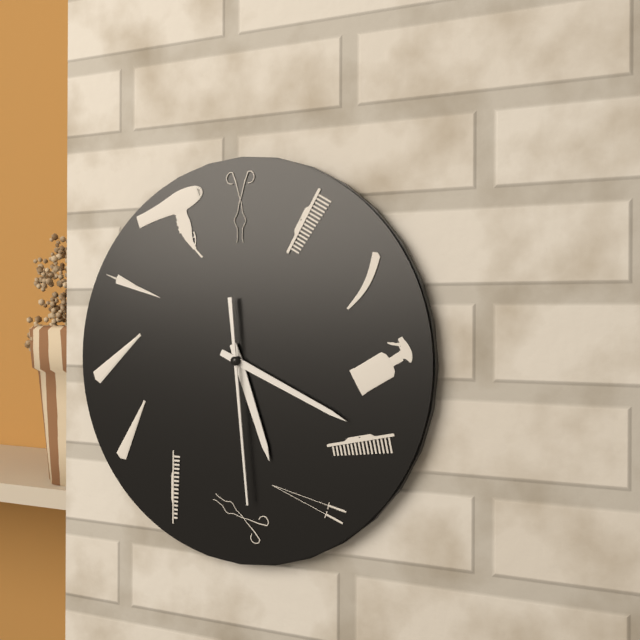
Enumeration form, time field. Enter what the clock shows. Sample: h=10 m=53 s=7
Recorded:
h=5 m=19 s=29
